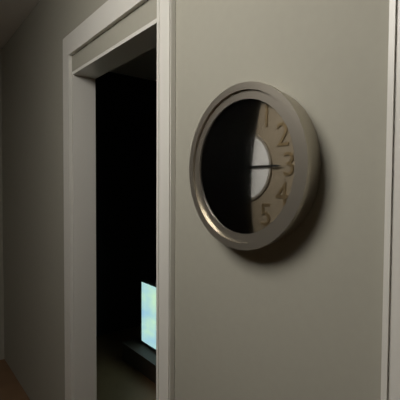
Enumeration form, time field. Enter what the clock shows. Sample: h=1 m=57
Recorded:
h=9 m=15
